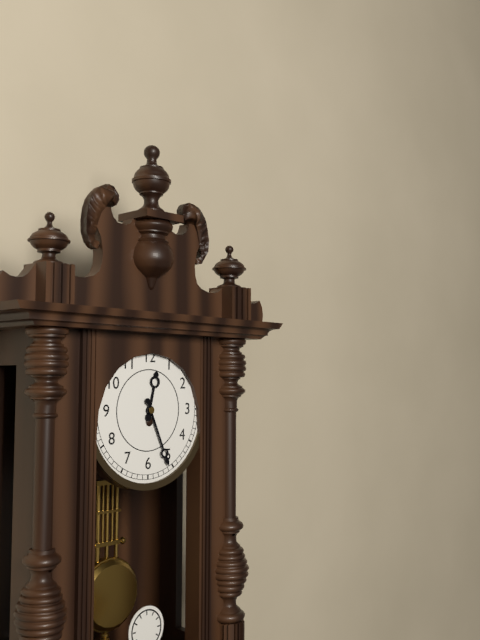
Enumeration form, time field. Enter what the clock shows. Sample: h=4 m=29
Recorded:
h=12 m=26
